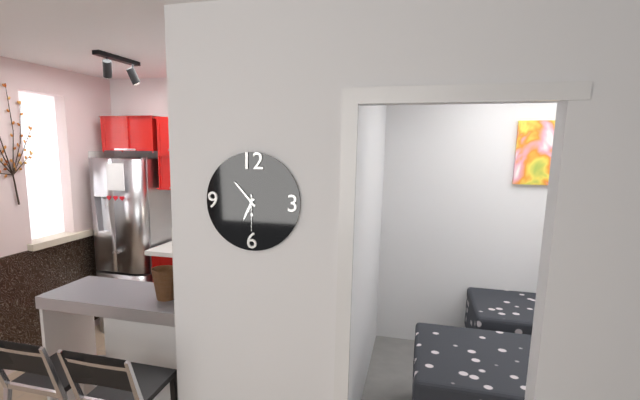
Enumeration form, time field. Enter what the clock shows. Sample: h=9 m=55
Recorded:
h=6 m=53
